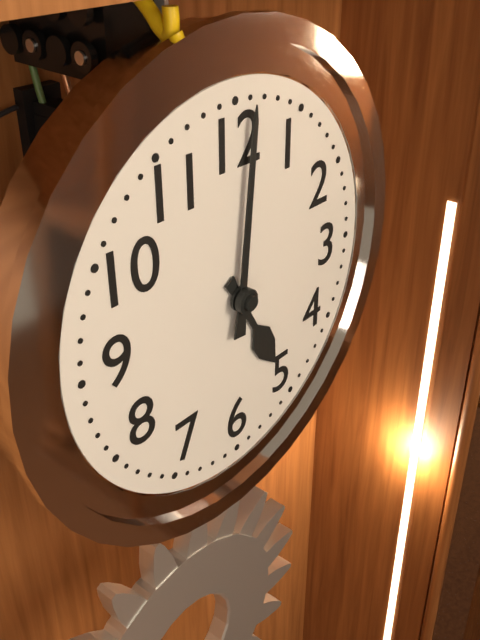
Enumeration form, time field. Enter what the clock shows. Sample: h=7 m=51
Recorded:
h=5 m=1
